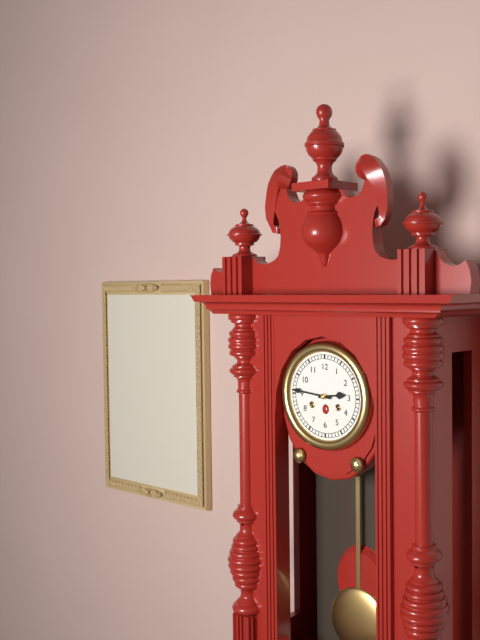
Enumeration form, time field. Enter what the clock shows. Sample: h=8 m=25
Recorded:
h=2 m=46
